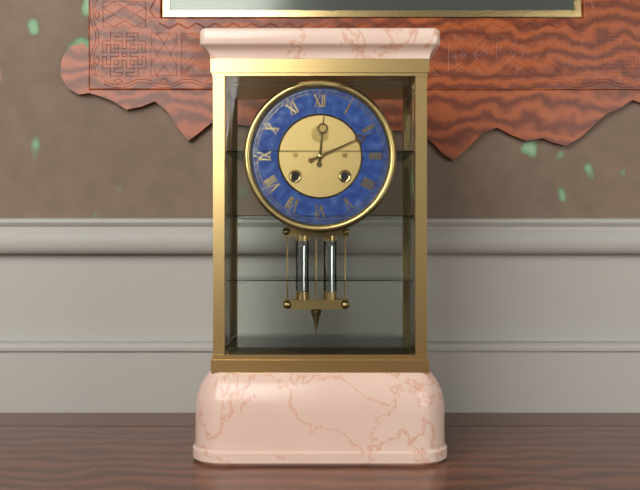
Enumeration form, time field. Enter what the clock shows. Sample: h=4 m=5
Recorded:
h=12 m=11
